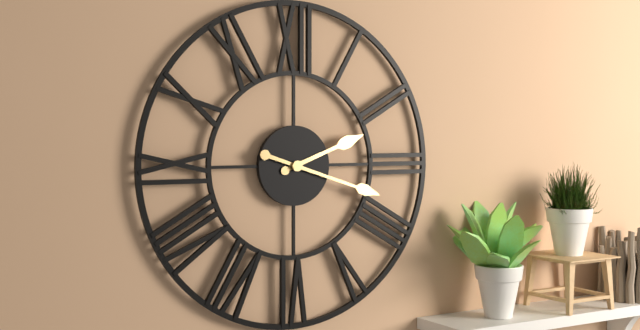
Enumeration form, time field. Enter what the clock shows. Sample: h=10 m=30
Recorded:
h=2 m=18
